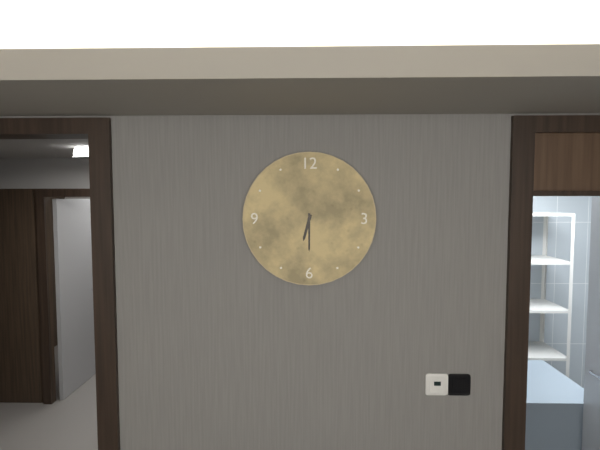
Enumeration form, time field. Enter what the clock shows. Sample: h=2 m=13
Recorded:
h=6 m=30
